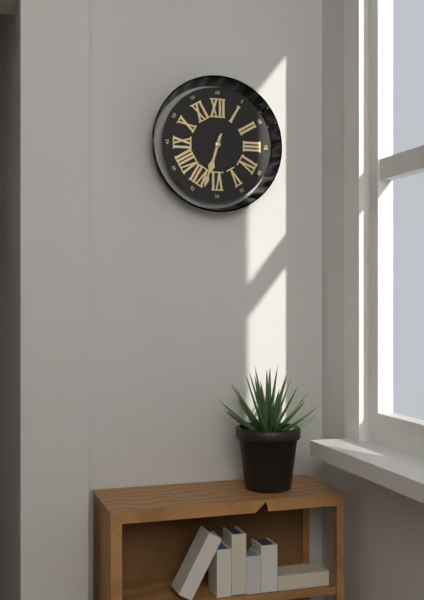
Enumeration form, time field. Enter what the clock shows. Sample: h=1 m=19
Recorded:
h=6 m=33
